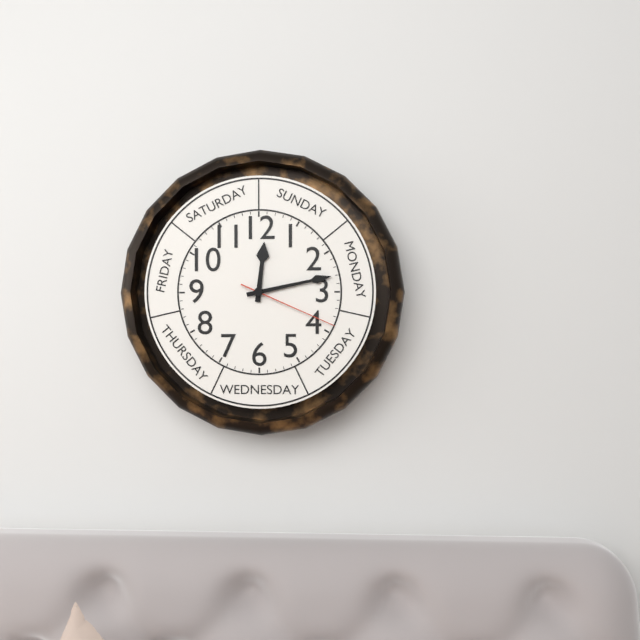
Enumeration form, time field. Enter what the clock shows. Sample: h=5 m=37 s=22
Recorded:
h=12 m=13 s=19
